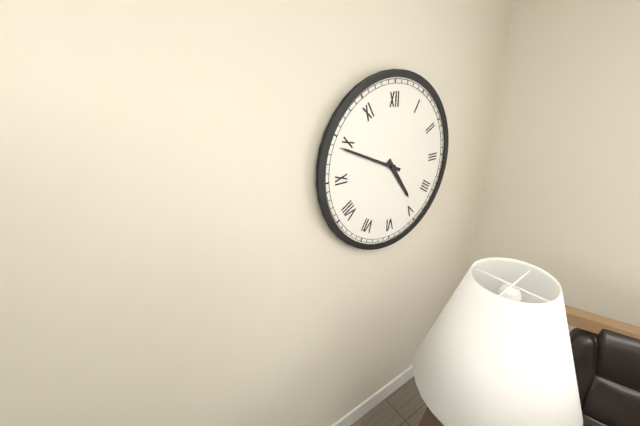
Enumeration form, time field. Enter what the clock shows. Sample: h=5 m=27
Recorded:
h=4 m=49
